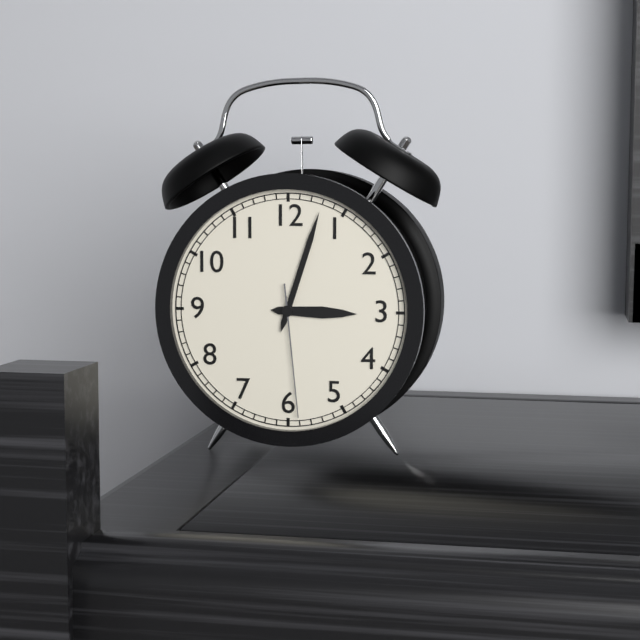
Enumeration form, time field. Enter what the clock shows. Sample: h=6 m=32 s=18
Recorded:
h=3 m=3 s=29
